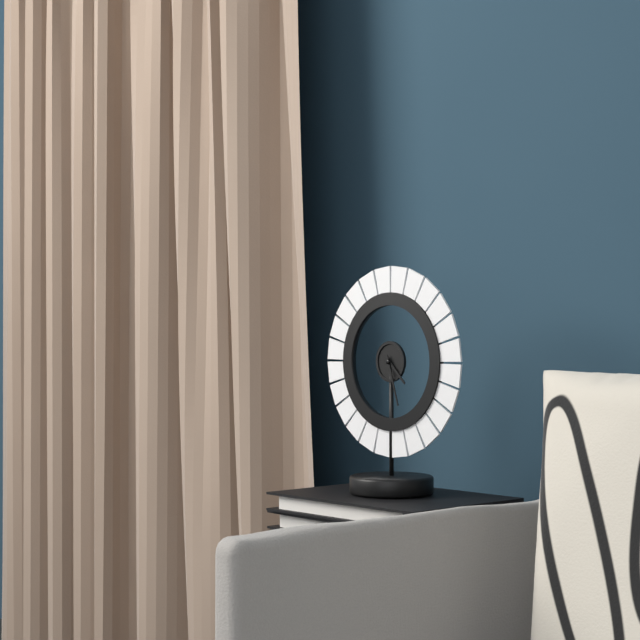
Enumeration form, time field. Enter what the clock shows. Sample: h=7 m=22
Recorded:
h=4 m=27
